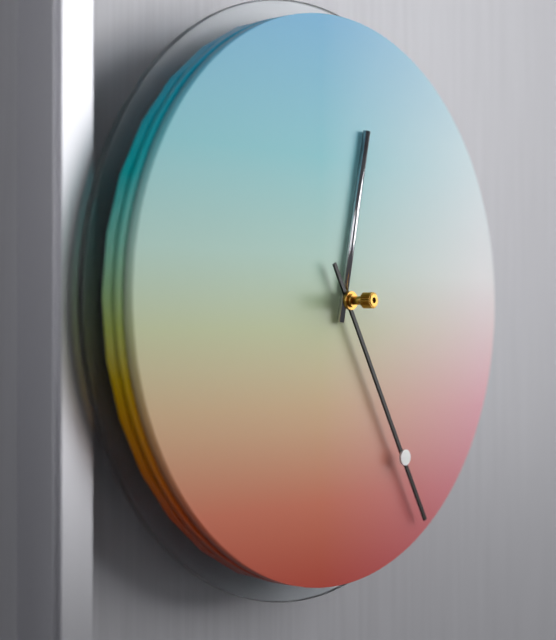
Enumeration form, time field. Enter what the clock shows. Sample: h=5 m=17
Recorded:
h=12 m=25
